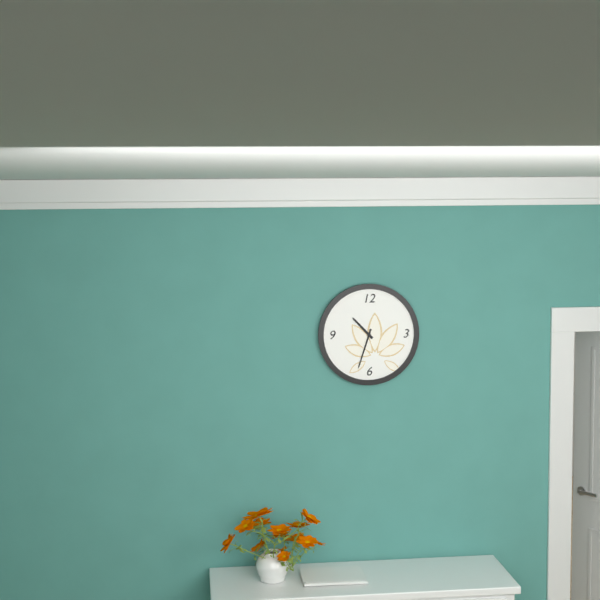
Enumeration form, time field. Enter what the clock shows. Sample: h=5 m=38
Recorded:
h=10 m=33
